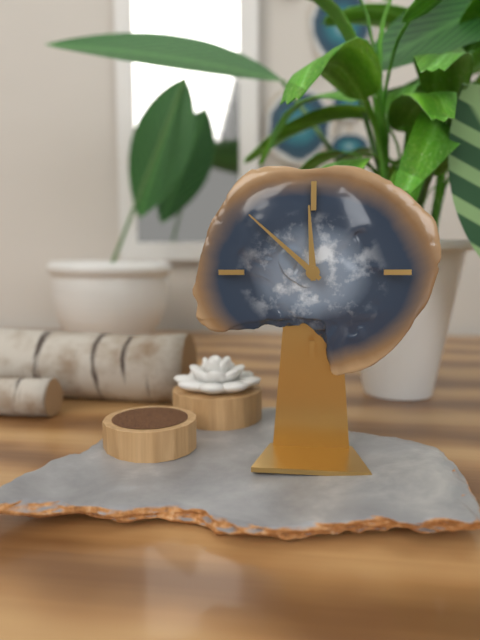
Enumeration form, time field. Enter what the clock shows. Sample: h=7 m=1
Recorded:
h=11 m=52
